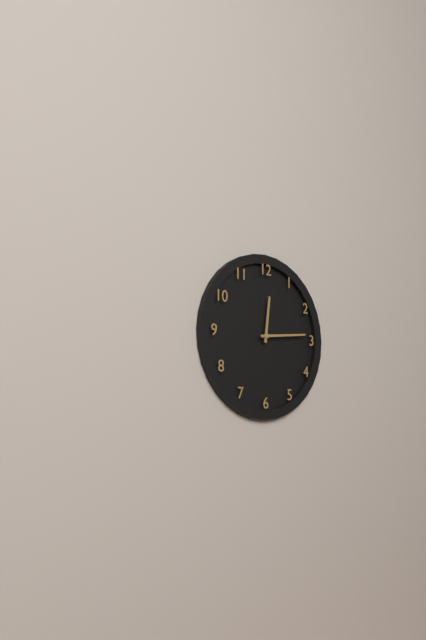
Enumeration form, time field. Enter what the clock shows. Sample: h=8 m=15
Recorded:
h=12 m=14
